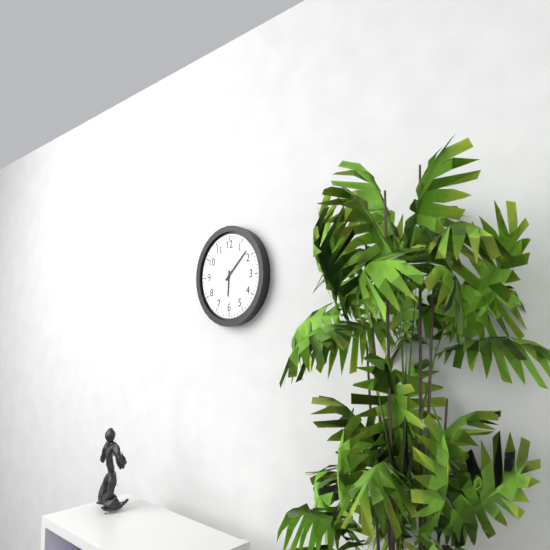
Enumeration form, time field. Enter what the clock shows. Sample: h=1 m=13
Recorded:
h=6 m=8
